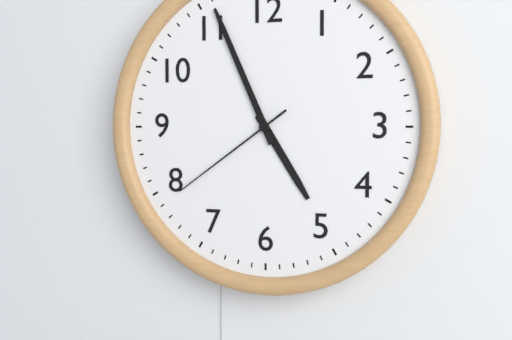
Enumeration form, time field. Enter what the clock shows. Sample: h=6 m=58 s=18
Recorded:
h=4 m=56 s=39
